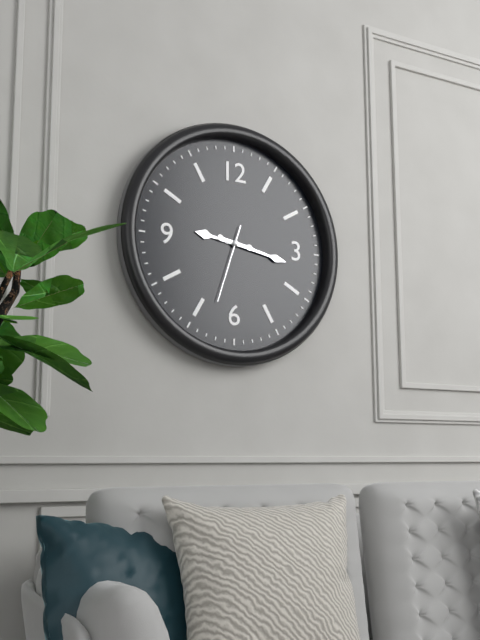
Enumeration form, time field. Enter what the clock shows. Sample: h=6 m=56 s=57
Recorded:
h=9 m=17 s=33
